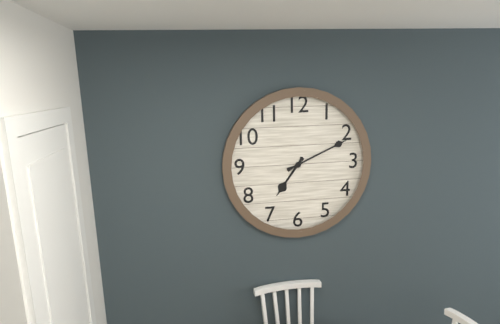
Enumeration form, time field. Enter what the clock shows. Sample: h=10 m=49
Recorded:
h=7 m=11
